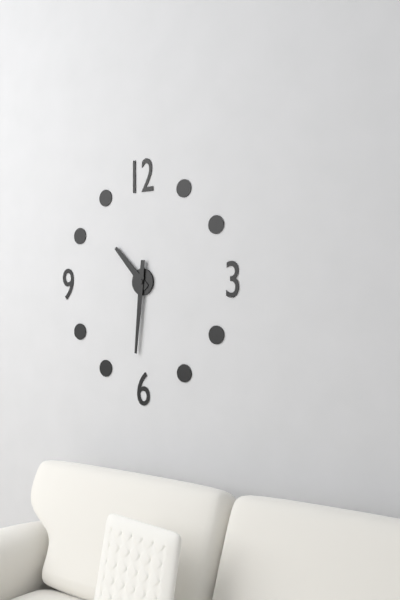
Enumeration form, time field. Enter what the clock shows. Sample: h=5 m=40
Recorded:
h=10 m=31
